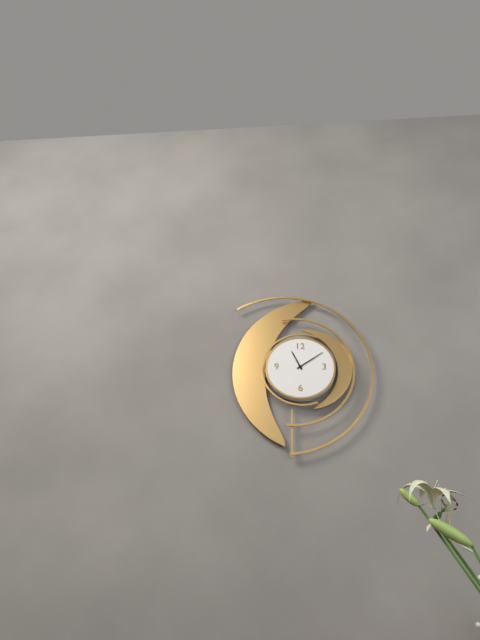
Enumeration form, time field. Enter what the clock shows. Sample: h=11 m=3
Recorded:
h=11 m=9
